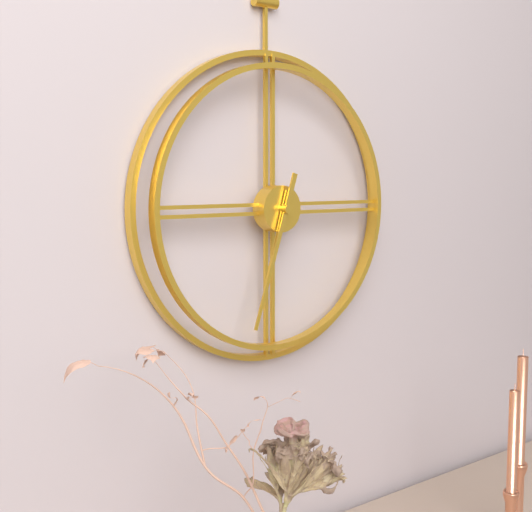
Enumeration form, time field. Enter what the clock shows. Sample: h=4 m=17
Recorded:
h=6 m=33
